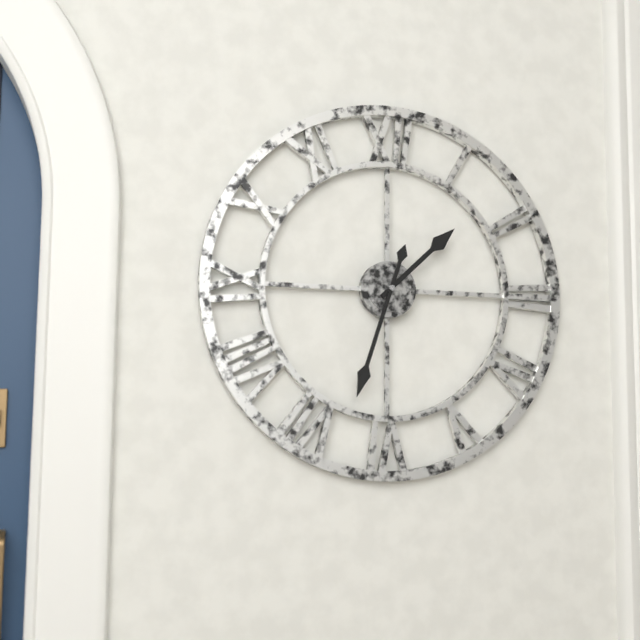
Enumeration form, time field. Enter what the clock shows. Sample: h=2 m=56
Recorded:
h=1 m=33
